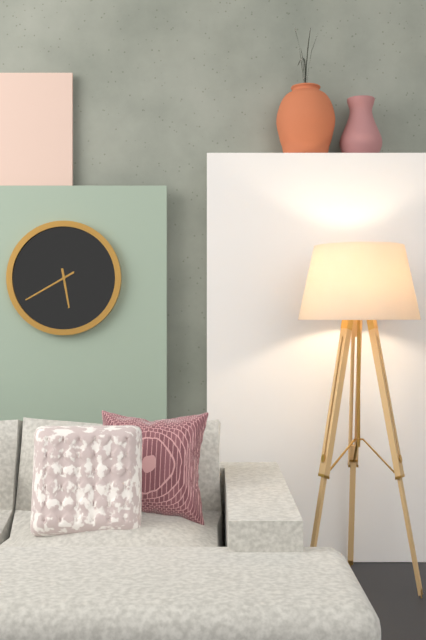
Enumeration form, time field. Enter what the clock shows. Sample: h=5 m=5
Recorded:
h=5 m=40
